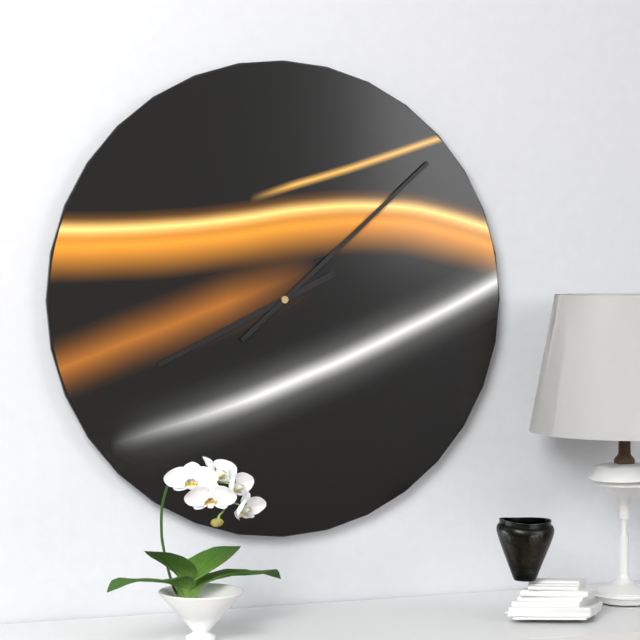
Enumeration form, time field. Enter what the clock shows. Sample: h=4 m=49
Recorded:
h=8 m=8
